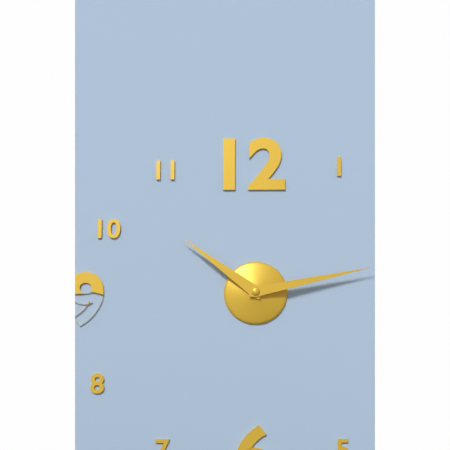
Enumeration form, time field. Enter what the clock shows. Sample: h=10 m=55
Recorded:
h=10 m=13
